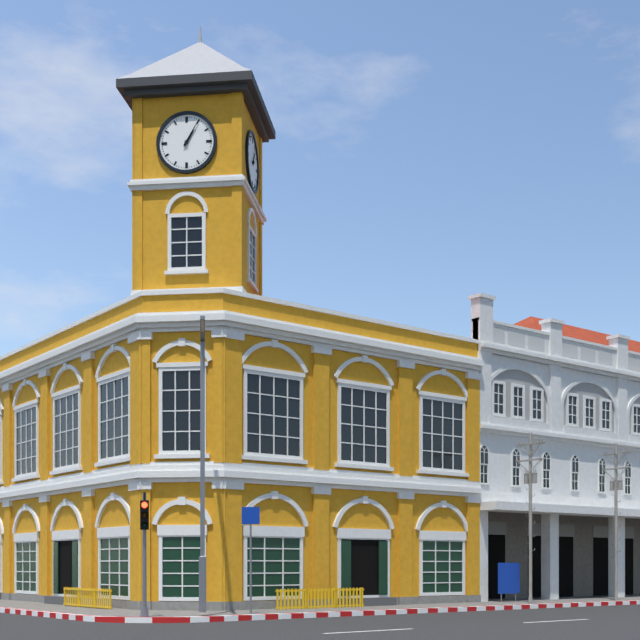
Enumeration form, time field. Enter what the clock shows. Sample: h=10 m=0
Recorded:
h=1 m=5
